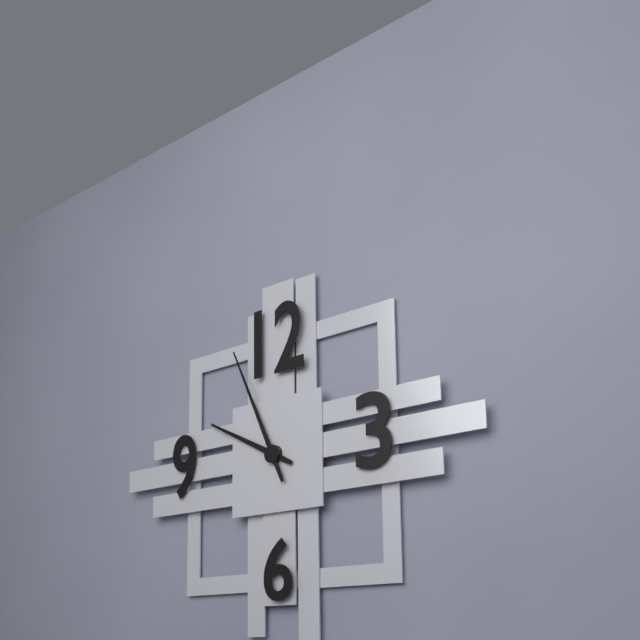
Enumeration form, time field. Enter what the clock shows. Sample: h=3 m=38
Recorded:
h=9 m=56
